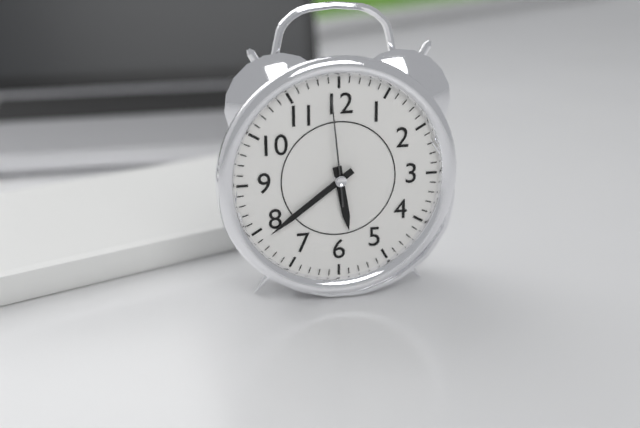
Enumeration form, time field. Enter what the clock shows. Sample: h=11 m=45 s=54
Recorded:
h=5 m=39 s=59
